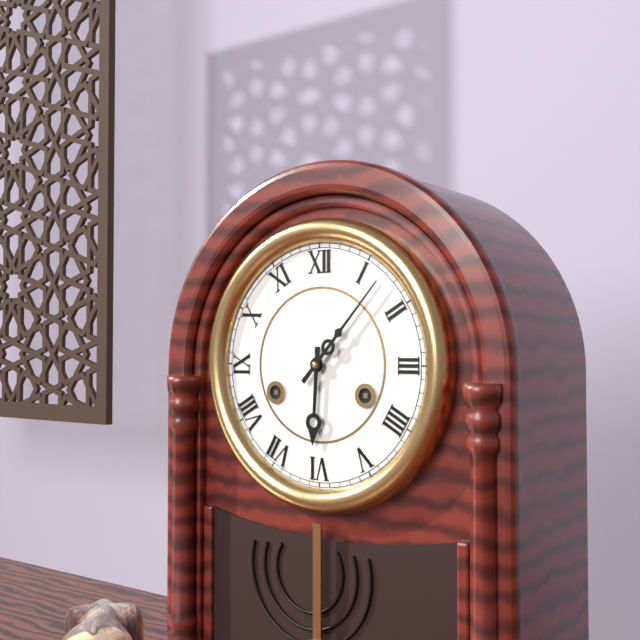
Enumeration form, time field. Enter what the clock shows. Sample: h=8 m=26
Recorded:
h=6 m=7
